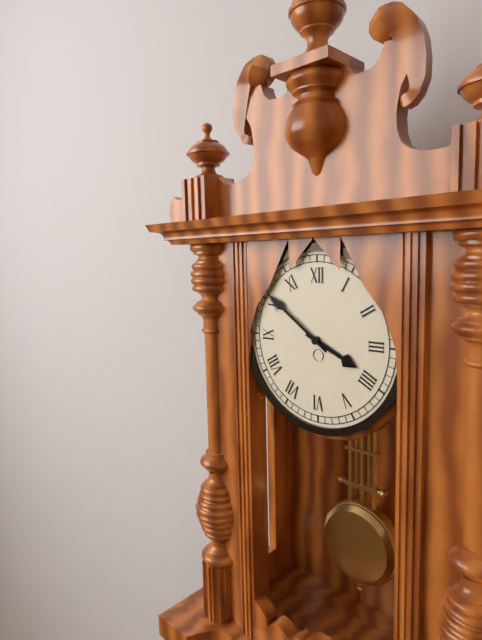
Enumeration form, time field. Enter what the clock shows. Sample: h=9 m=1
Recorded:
h=3 m=51
